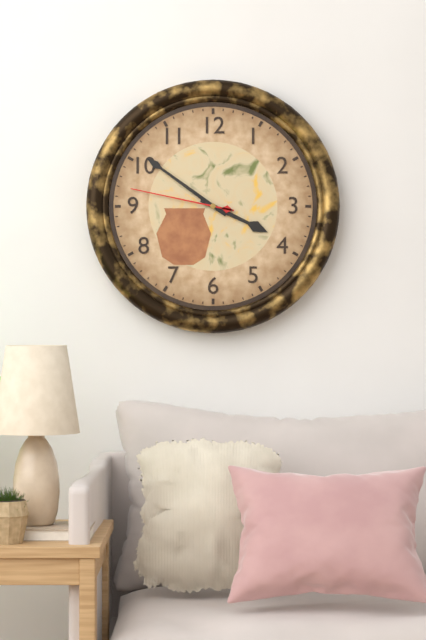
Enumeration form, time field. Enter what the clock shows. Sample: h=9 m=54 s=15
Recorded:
h=3 m=51 s=47
